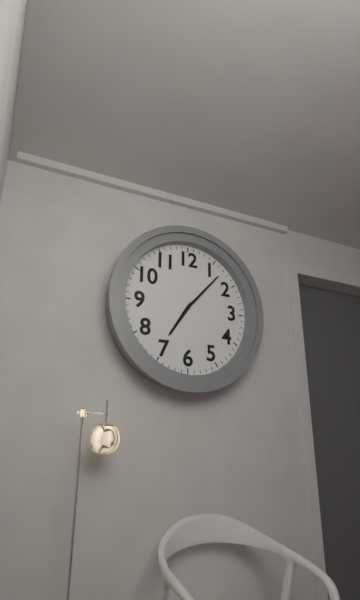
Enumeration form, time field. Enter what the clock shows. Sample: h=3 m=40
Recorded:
h=7 m=7
